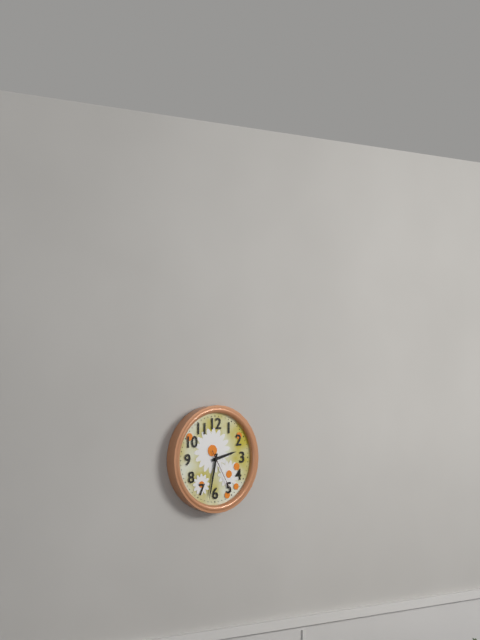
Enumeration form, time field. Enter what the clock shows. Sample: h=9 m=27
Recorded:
h=2 m=32
